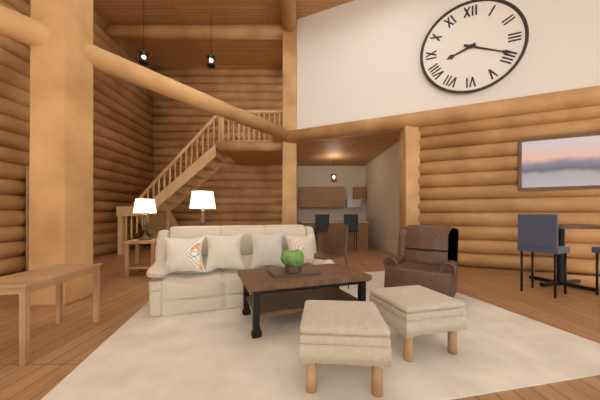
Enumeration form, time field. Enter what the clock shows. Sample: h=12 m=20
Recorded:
h=8 m=19
